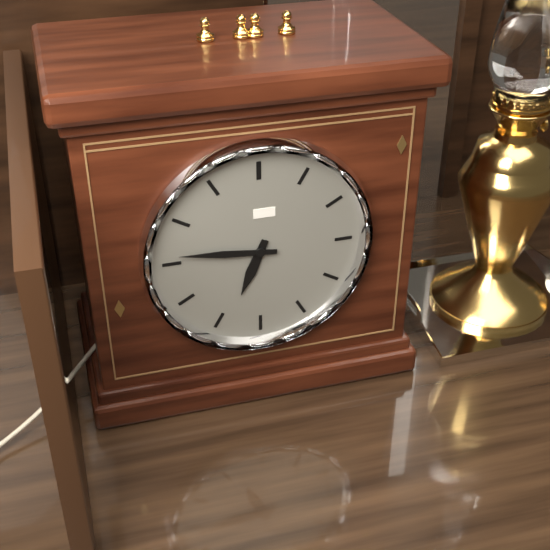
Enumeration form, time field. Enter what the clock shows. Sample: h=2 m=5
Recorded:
h=6 m=46
